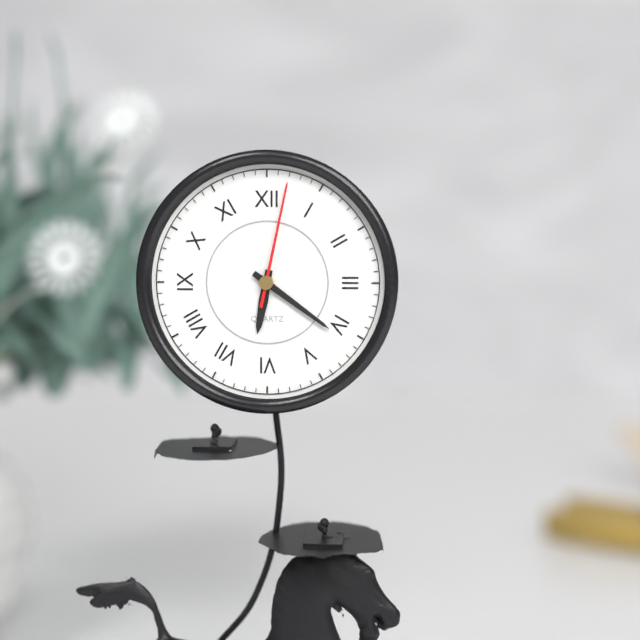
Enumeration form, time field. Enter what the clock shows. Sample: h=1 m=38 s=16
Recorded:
h=6 m=21 s=2
